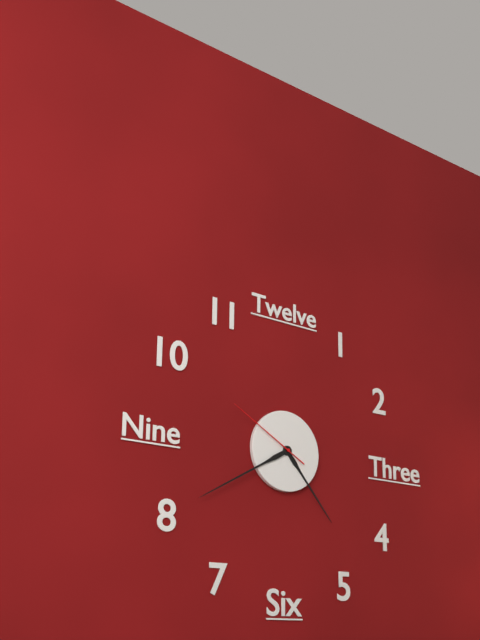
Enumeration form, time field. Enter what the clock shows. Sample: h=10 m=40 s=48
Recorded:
h=4 m=40 s=50
